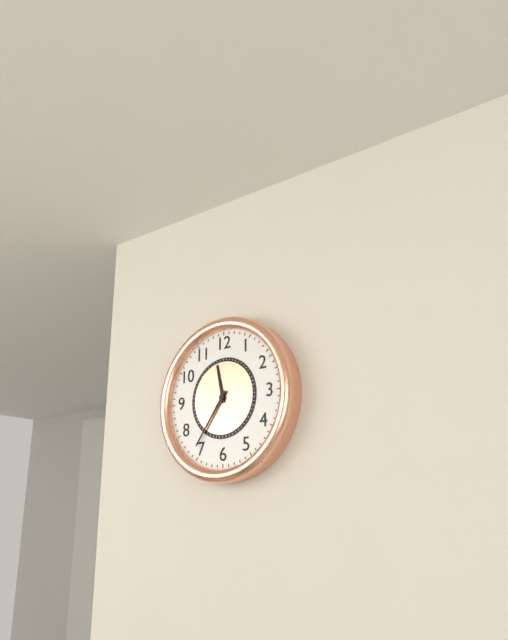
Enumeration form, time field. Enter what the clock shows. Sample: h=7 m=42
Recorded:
h=11 m=36
